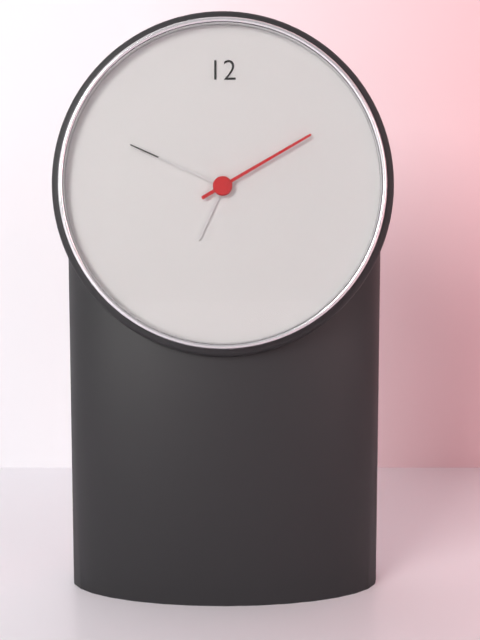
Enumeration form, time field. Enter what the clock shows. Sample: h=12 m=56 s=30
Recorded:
h=6 m=49 s=10
